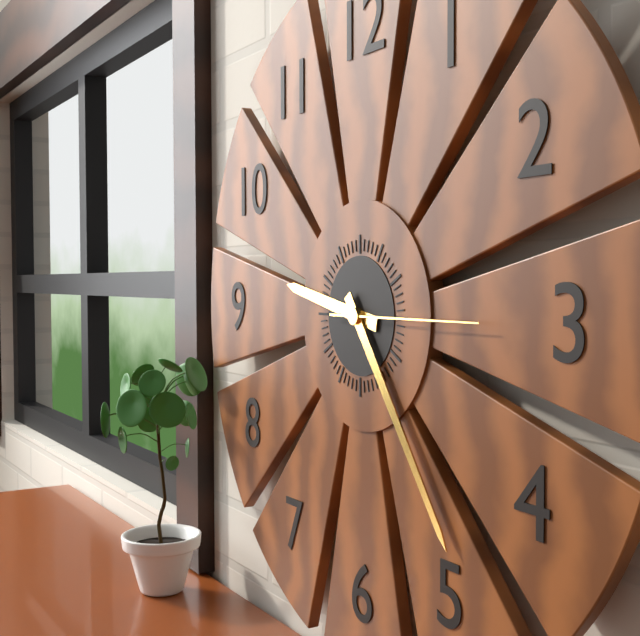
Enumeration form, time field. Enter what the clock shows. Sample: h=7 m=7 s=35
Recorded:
h=9 m=24 s=15
